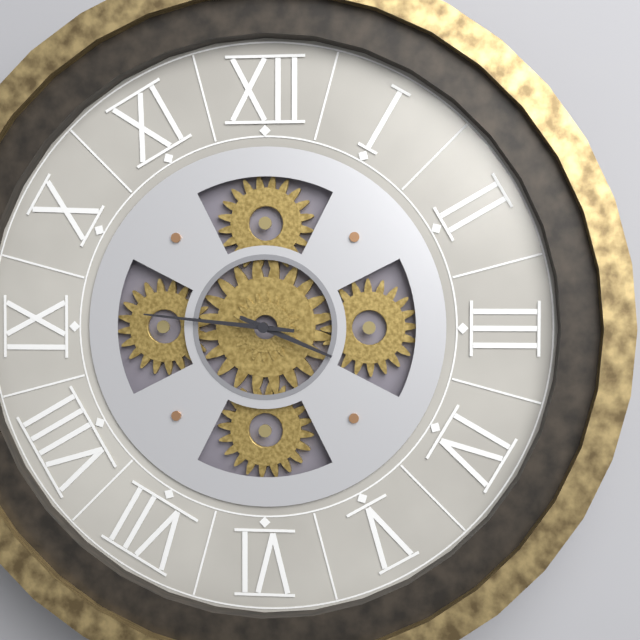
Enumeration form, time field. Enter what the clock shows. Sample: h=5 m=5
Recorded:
h=3 m=46
